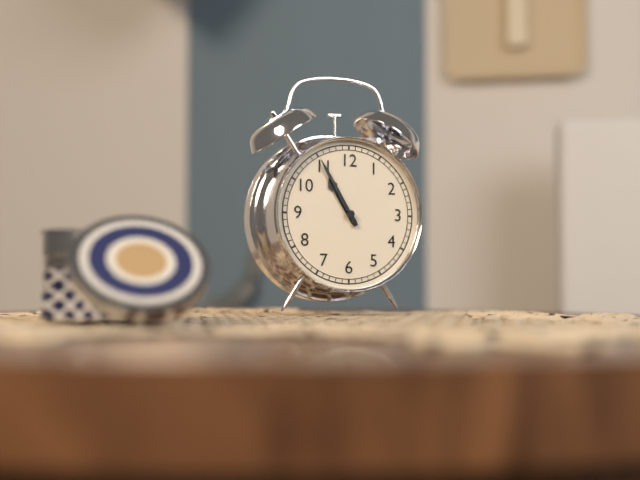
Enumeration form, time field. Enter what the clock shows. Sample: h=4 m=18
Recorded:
h=10 m=55
